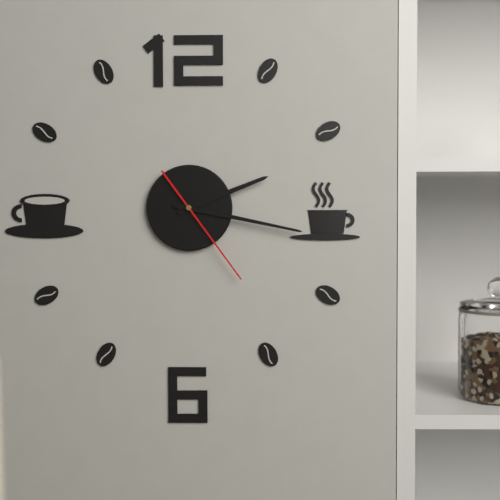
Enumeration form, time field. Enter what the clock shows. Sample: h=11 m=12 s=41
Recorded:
h=2 m=17 s=24
